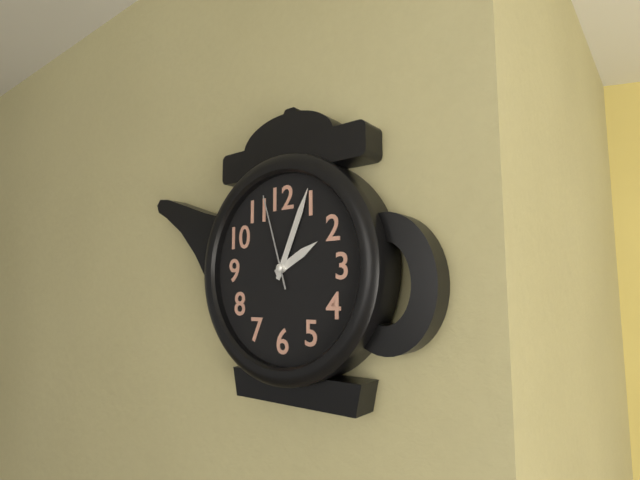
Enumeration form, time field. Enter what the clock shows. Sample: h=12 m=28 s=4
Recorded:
h=2 m=4 s=57
